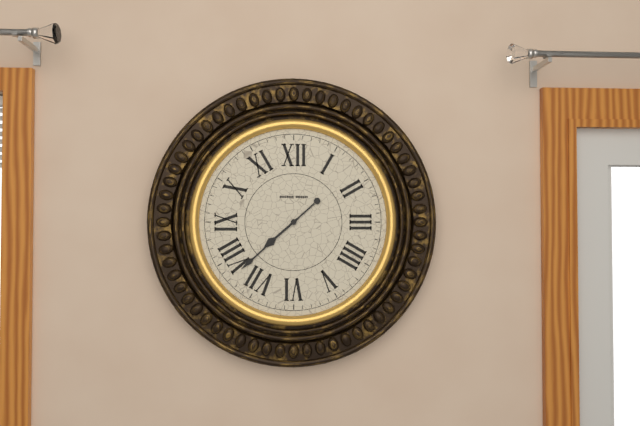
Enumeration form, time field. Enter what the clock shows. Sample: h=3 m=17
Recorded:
h=7 m=38
